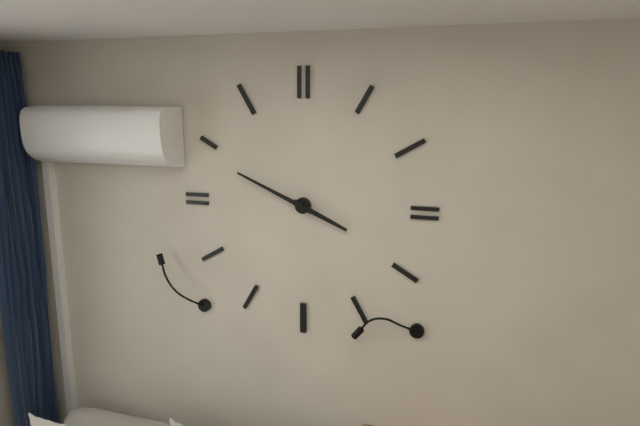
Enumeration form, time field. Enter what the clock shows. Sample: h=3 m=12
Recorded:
h=3 m=49
